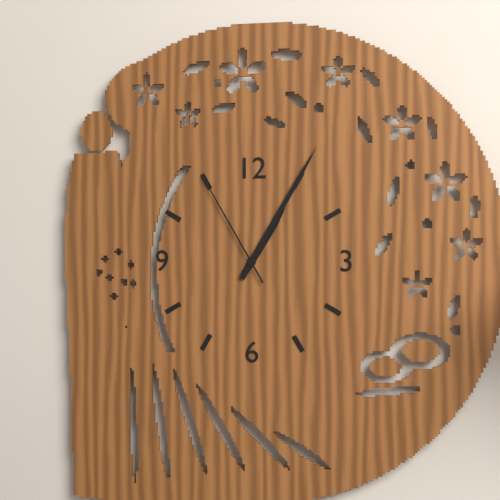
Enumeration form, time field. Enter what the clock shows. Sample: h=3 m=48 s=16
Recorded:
h=1 m=5 s=55
